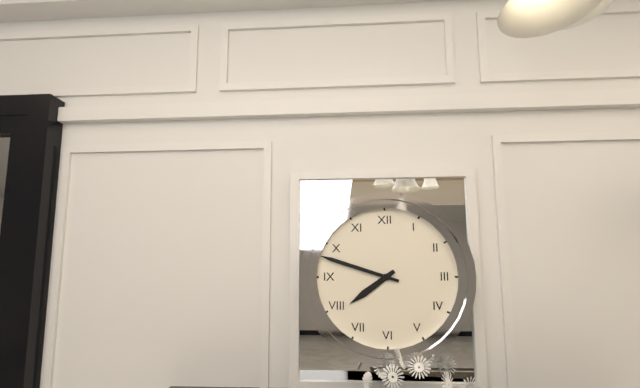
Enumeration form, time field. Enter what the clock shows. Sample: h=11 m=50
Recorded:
h=7 m=48
